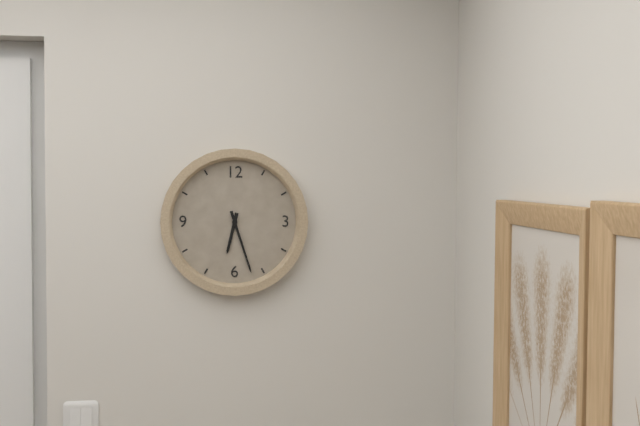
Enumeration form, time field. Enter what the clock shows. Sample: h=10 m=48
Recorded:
h=6 m=27
